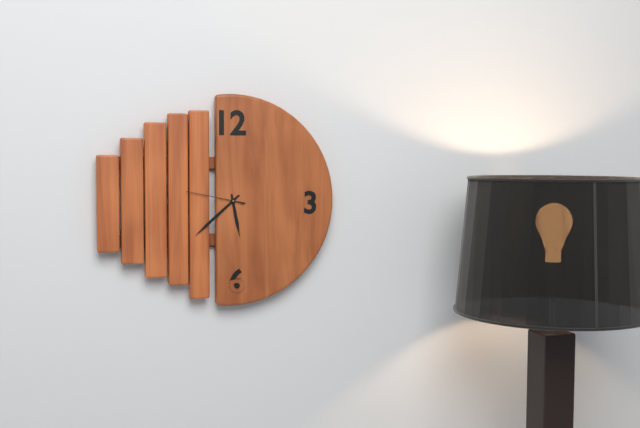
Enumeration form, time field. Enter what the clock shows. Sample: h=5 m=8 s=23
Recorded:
h=5 m=38 s=47
